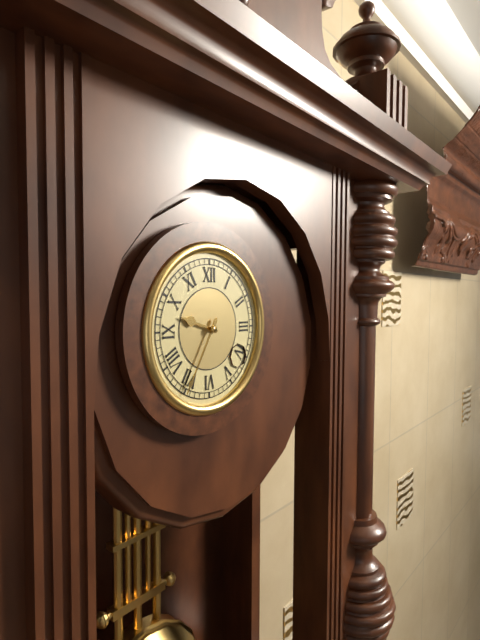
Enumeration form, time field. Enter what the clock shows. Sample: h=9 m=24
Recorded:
h=9 m=35
